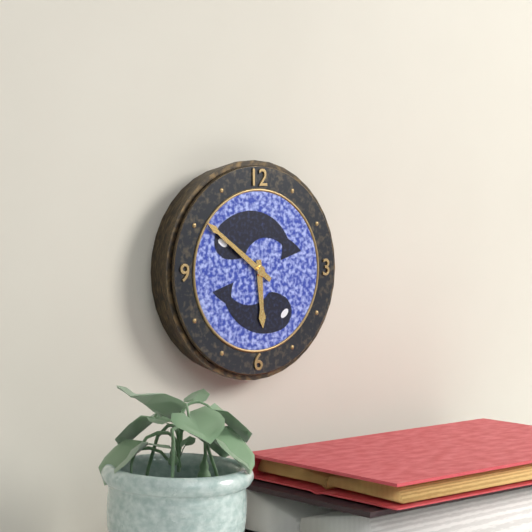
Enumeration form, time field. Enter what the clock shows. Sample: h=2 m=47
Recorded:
h=5 m=51
